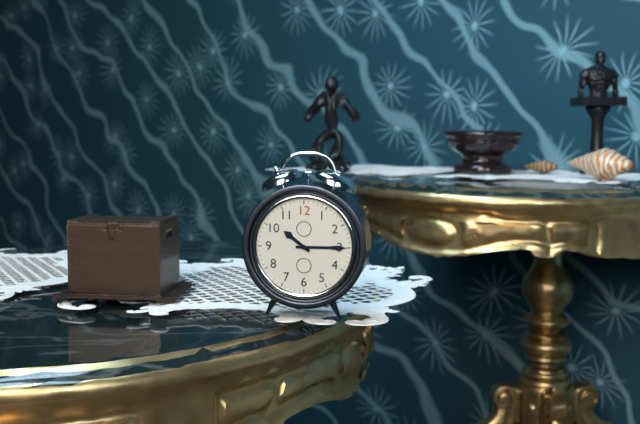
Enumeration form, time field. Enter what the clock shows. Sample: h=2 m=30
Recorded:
h=10 m=15
